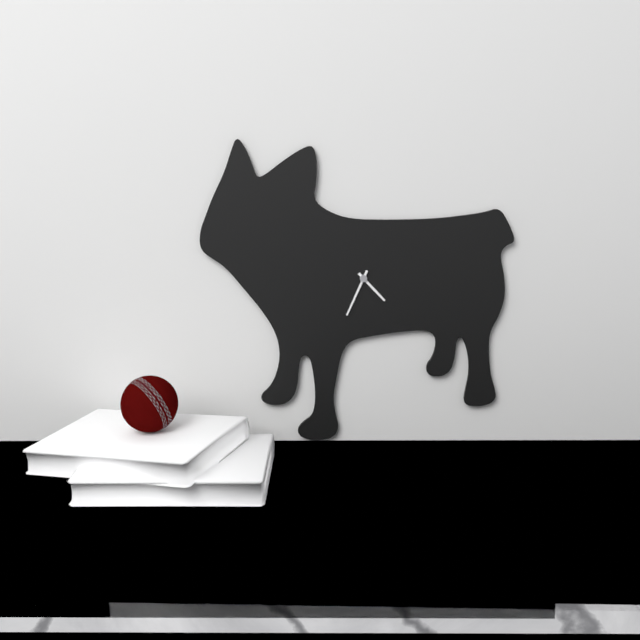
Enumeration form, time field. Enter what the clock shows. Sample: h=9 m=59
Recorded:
h=4 m=34
